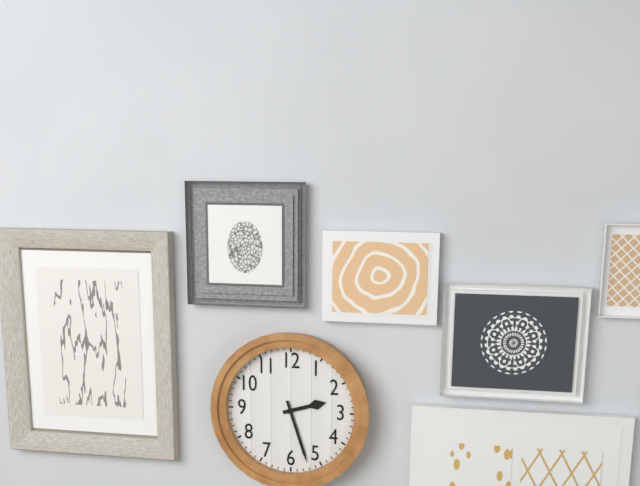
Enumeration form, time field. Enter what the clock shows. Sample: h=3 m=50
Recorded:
h=2 m=27
